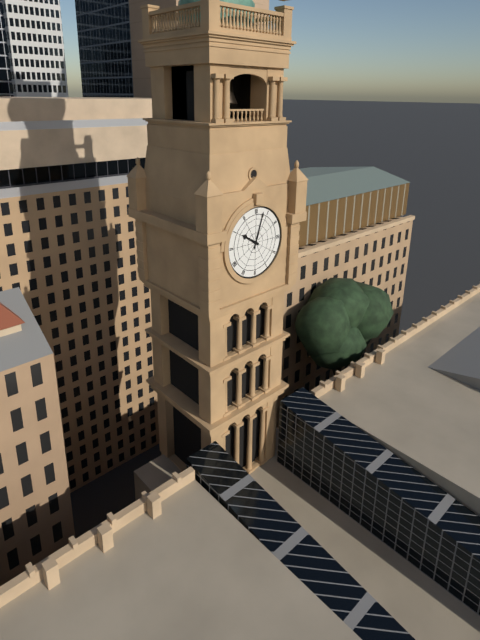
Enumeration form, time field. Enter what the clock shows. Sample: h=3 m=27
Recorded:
h=10 m=3
